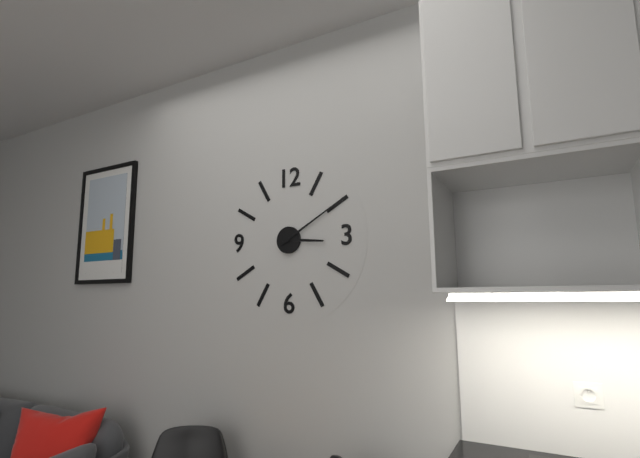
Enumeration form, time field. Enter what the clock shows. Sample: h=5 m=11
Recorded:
h=3 m=10
